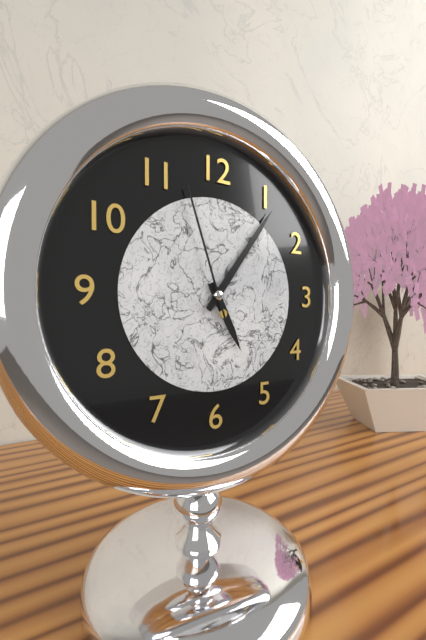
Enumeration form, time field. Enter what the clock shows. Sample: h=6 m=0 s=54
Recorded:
h=5 m=6 s=57
